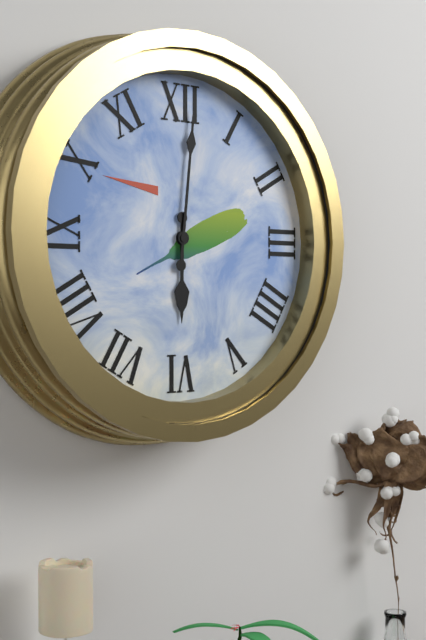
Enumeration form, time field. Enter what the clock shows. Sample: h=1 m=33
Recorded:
h=6 m=1
